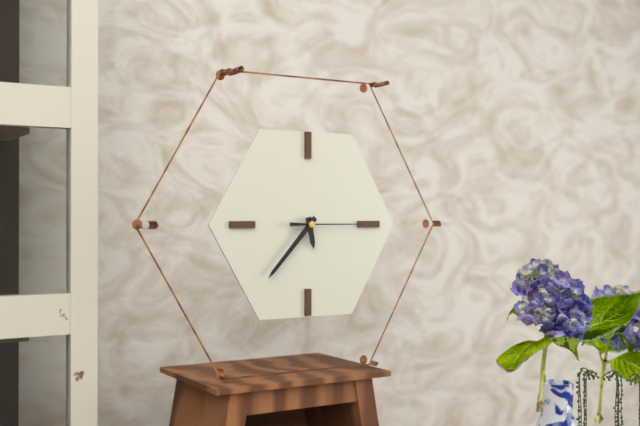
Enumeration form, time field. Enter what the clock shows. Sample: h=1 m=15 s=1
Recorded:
h=5 m=37 s=15
